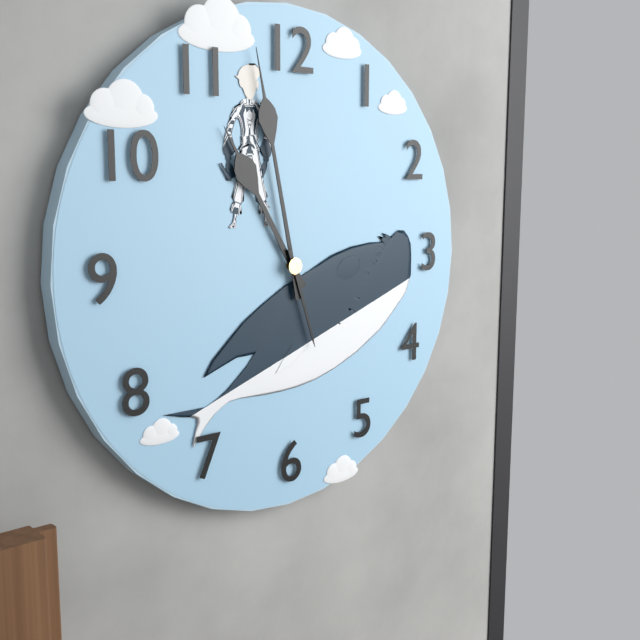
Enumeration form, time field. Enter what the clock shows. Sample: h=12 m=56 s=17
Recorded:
h=10 m=58 s=27
